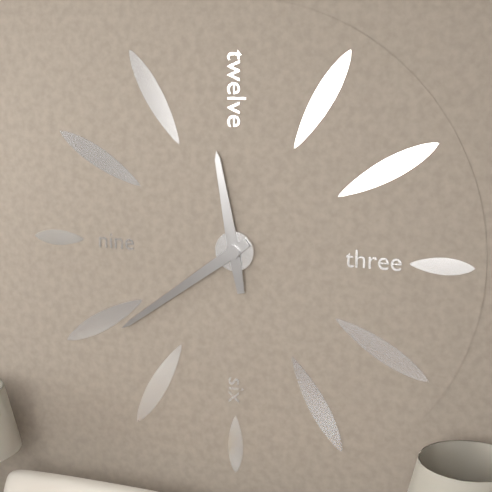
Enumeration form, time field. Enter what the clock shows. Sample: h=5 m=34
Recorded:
h=11 m=39
